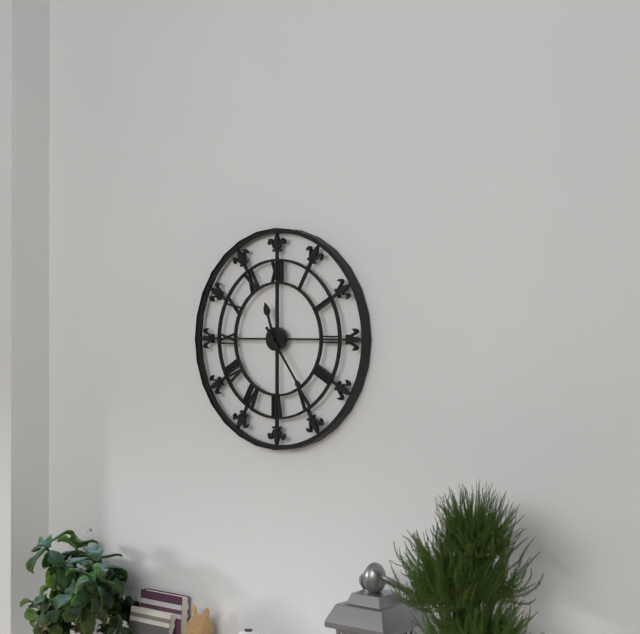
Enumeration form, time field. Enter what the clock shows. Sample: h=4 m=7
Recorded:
h=11 m=24
